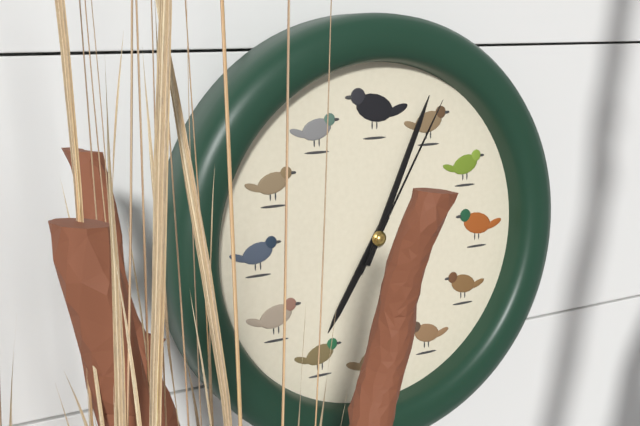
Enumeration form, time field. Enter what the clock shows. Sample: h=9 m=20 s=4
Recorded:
h=7 m=4 s=5
